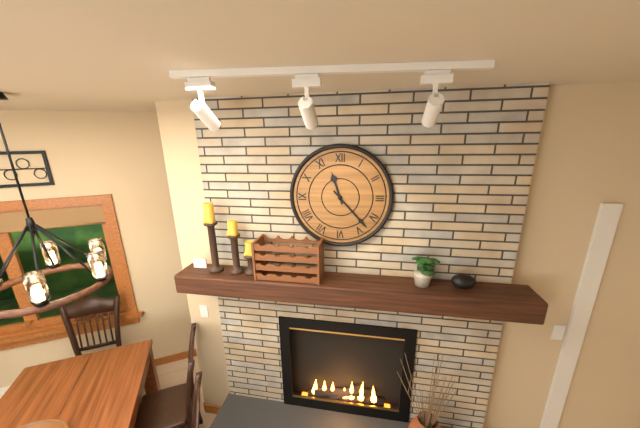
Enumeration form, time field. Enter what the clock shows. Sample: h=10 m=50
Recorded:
h=11 m=23
